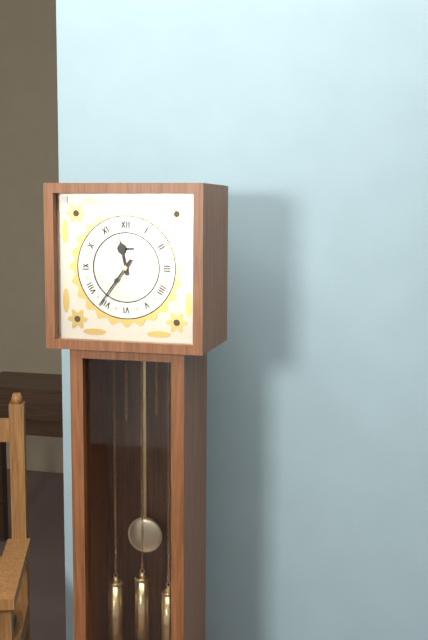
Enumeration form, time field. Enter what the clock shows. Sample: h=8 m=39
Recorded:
h=11 m=36
